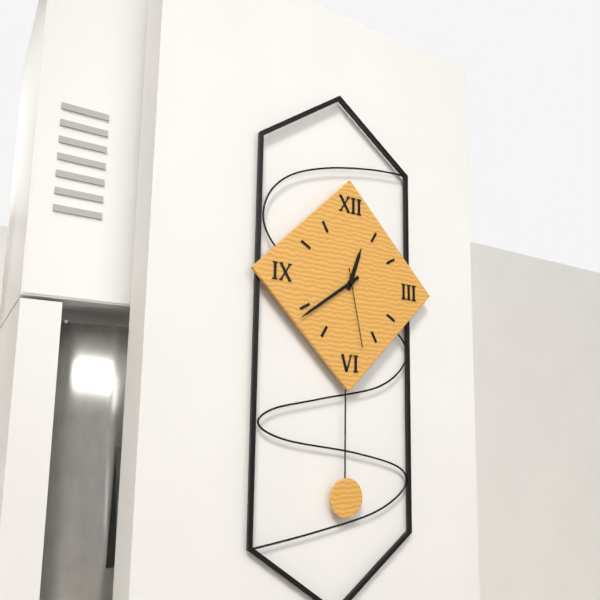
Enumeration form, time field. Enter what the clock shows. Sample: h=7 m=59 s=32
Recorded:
h=12 m=39 s=28
